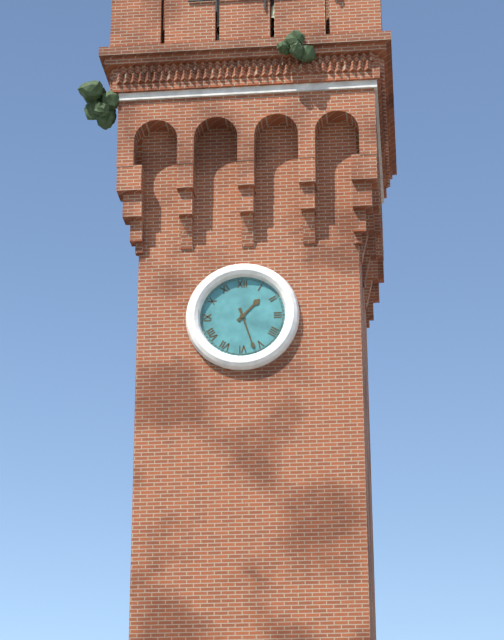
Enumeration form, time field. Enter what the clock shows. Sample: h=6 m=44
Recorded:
h=1 m=27
